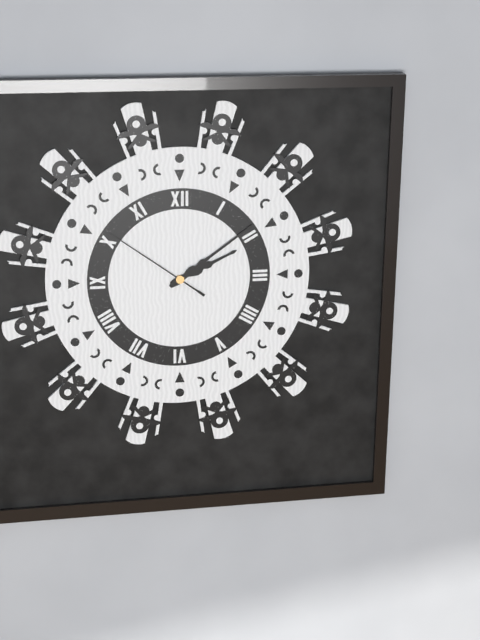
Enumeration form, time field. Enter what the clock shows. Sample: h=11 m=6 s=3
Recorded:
h=2 m=9 s=51
